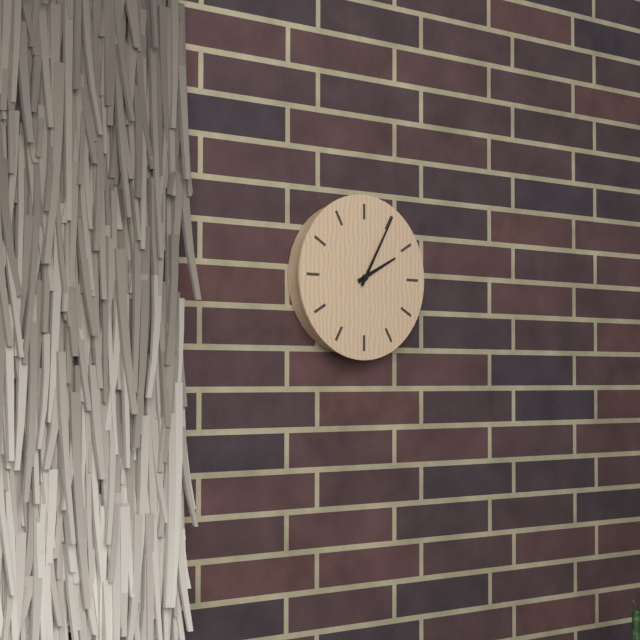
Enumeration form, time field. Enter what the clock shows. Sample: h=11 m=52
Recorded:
h=2 m=5
